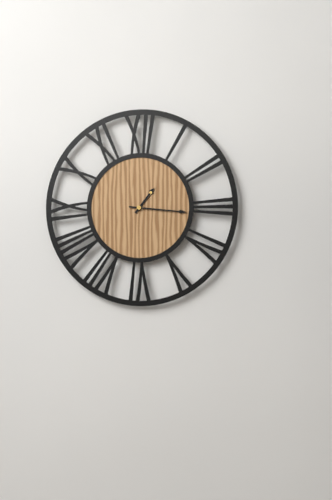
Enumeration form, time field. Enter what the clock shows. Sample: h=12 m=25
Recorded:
h=1 m=16
